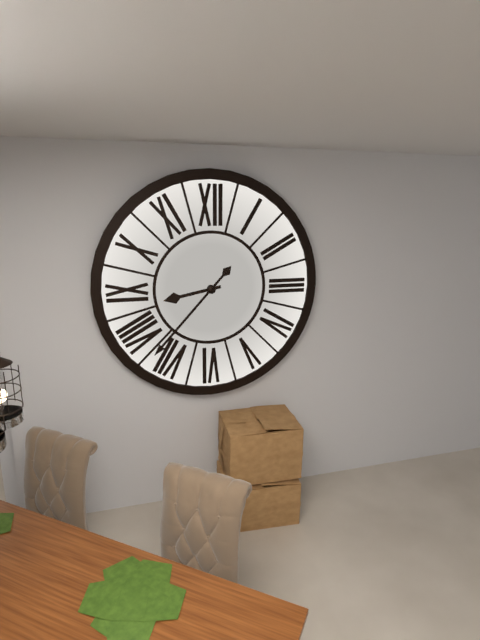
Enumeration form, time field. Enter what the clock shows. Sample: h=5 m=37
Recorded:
h=8 m=37
